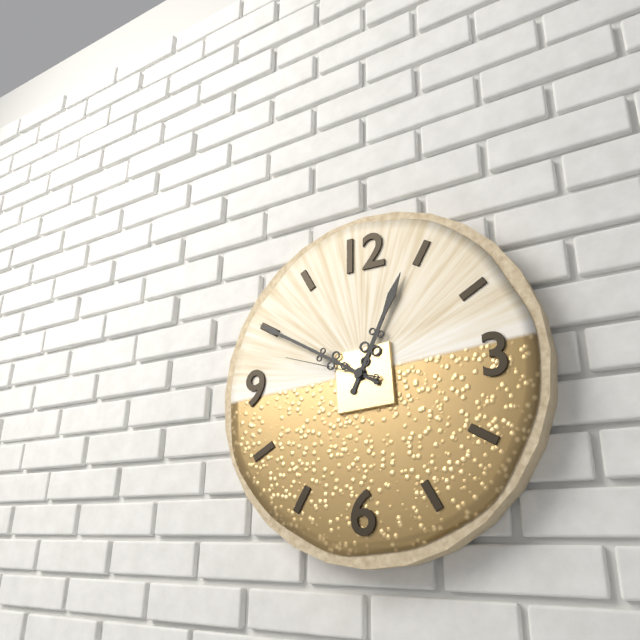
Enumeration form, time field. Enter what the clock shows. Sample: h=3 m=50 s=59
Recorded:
h=12 m=50 s=48
